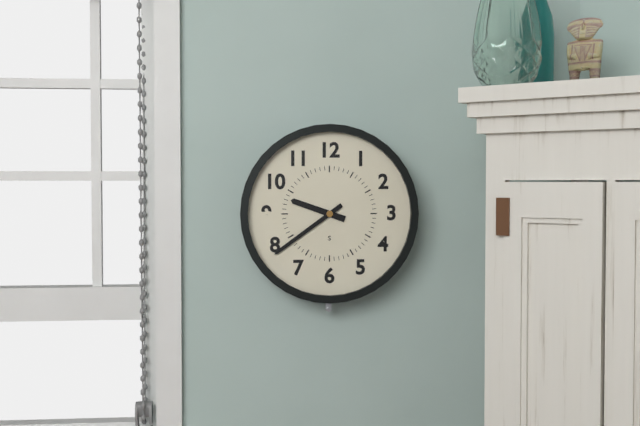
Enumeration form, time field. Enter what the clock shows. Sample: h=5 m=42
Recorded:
h=9 m=39
